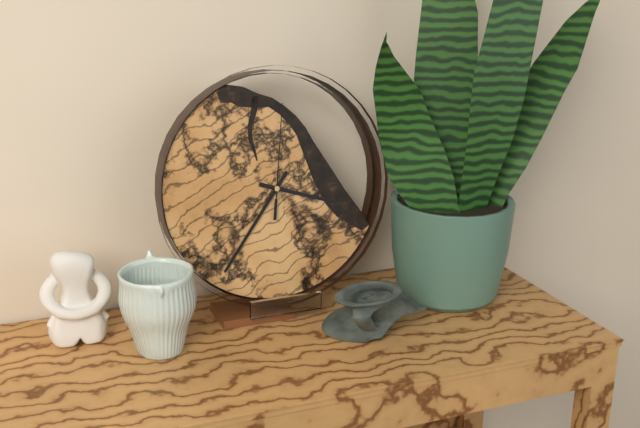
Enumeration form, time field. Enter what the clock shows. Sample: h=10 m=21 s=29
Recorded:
h=3 m=36 s=1
